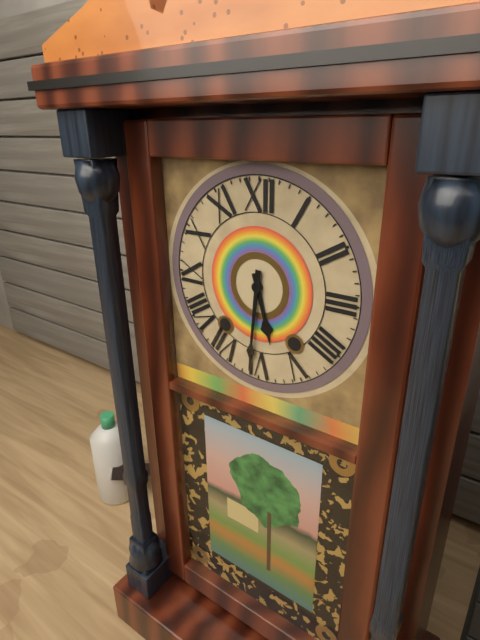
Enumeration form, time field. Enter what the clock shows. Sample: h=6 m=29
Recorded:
h=5 m=31
